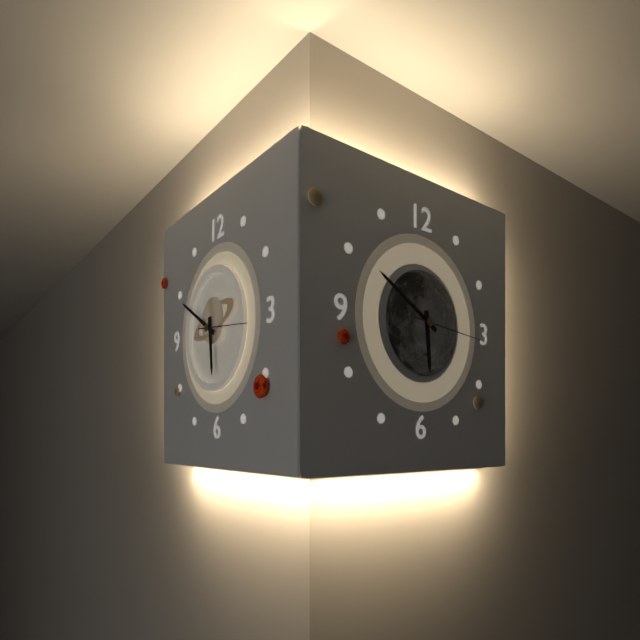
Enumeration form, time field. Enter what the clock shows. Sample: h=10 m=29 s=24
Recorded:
h=5 m=50 s=16
